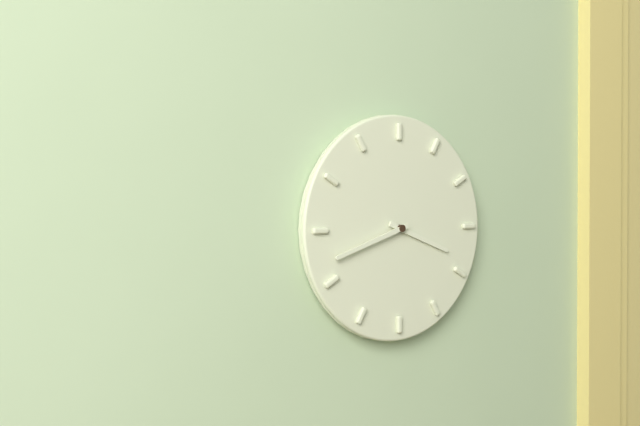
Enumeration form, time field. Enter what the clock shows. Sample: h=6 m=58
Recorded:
h=3 m=42
